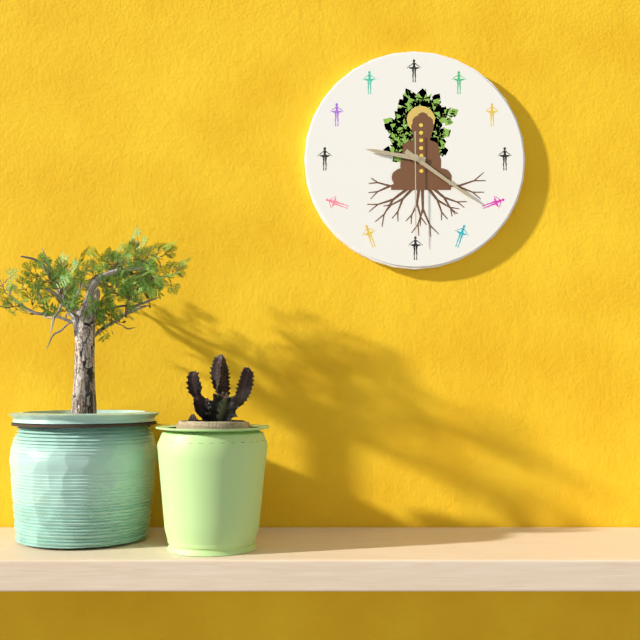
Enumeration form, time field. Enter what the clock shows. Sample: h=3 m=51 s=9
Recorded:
h=9 m=21 s=30
